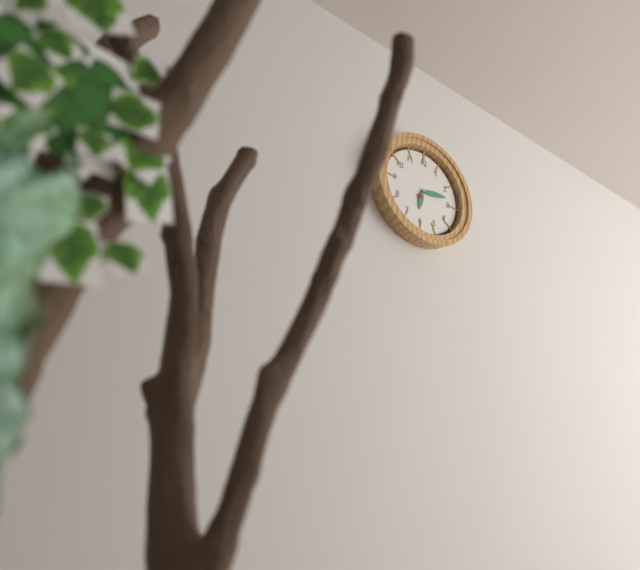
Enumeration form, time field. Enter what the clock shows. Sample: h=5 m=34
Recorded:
h=6 m=13
